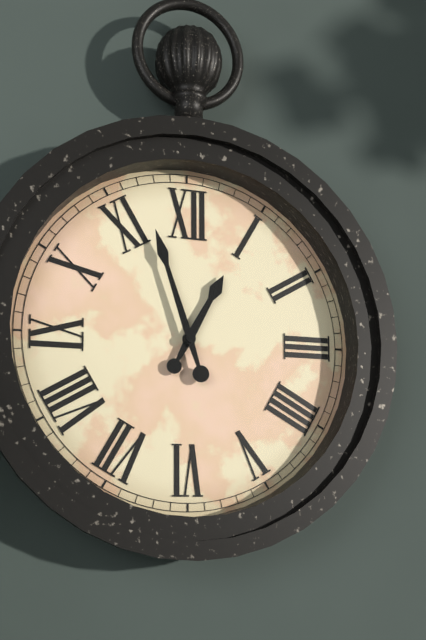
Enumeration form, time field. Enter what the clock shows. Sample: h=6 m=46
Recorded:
h=12 m=57
